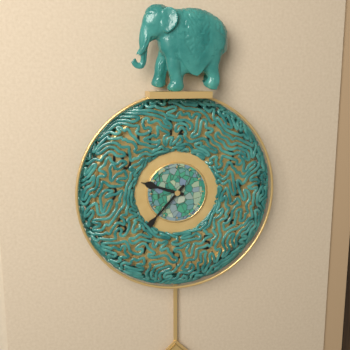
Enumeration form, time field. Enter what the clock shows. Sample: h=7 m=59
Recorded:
h=9 m=37
